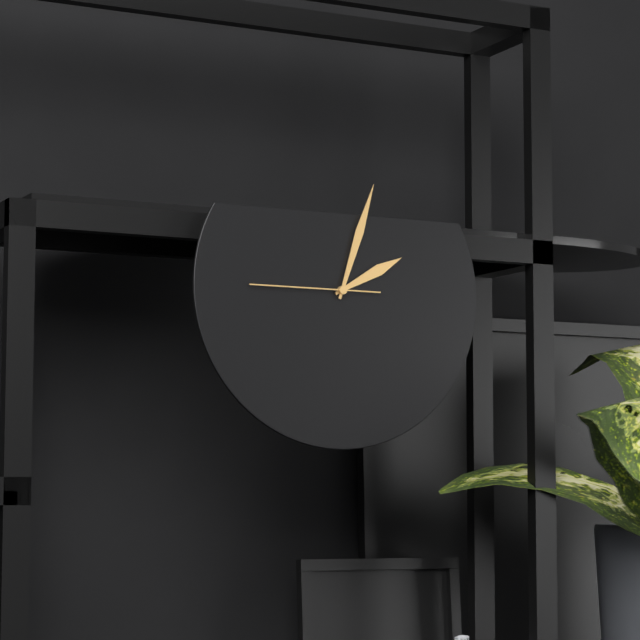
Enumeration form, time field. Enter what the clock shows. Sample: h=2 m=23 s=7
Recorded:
h=2 m=3 s=45
